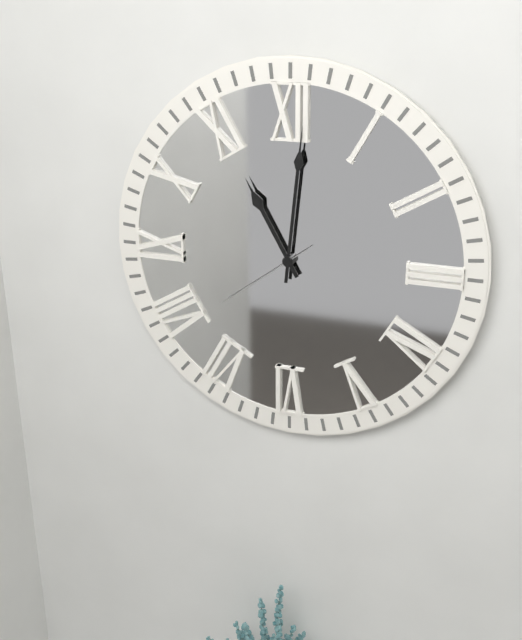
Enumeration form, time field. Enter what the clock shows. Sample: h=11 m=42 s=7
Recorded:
h=11 m=1 s=39
